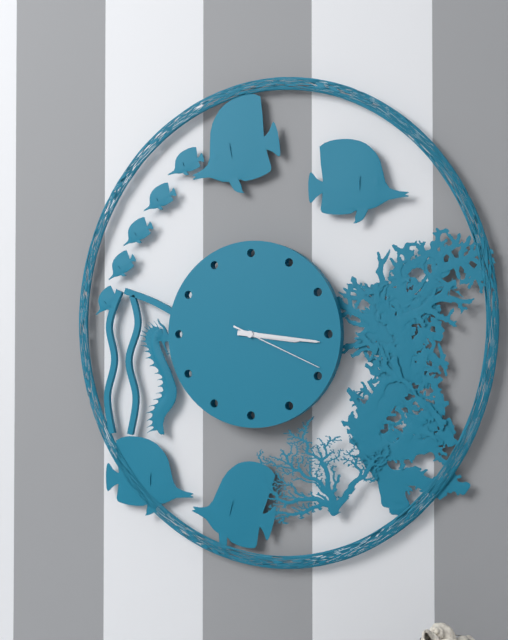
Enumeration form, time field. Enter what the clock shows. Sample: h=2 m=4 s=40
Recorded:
h=3 m=16 s=19
